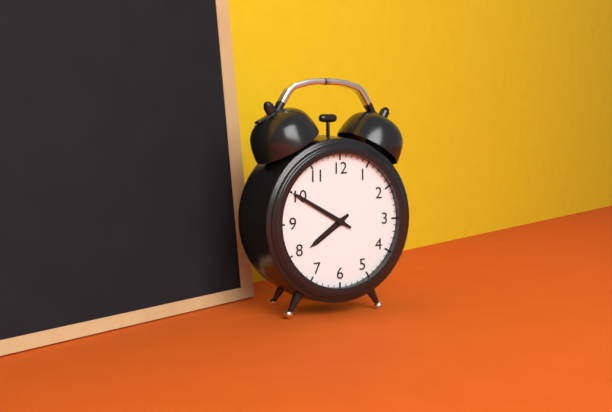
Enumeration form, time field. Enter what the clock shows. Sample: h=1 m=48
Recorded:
h=7 m=50
